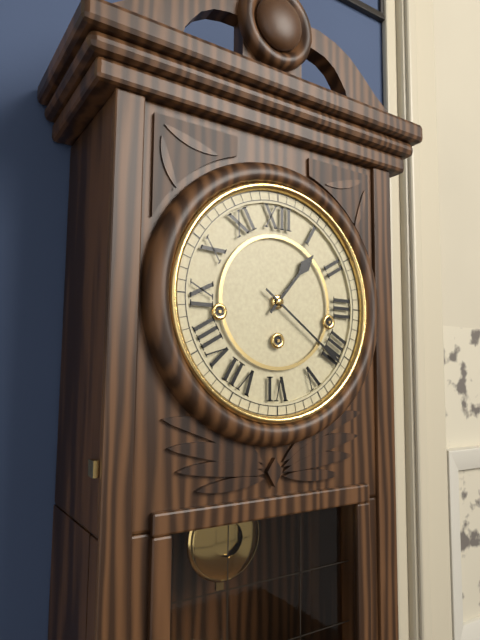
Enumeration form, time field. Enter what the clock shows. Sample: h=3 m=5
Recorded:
h=1 m=21
